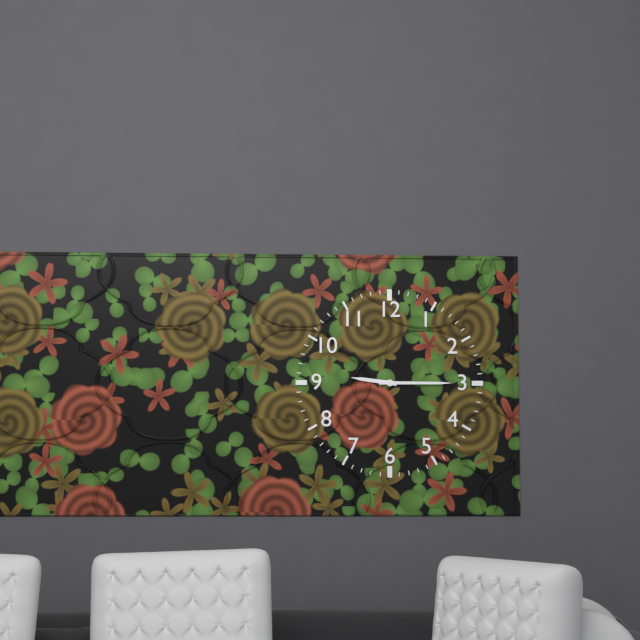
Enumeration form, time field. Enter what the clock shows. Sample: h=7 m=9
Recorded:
h=9 m=15
